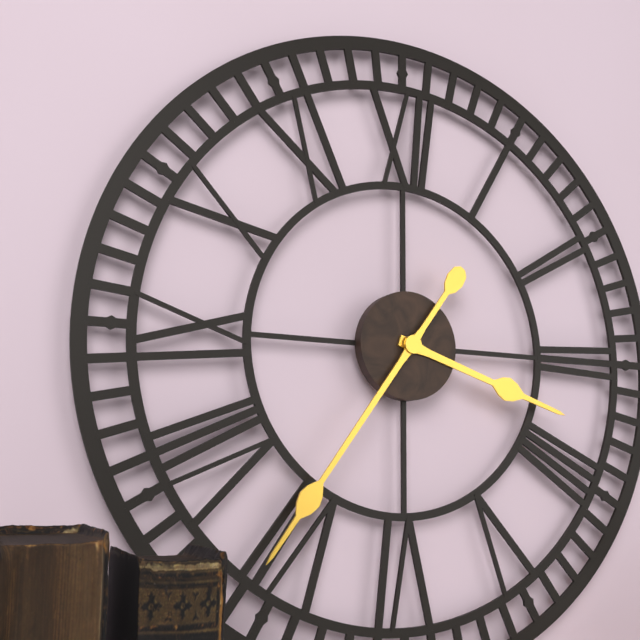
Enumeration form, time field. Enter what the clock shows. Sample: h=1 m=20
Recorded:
h=3 m=36
